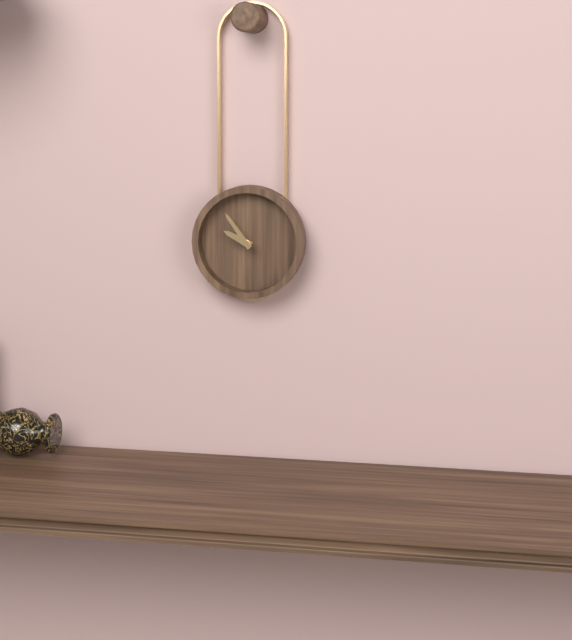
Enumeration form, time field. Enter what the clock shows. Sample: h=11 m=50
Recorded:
h=9 m=54
